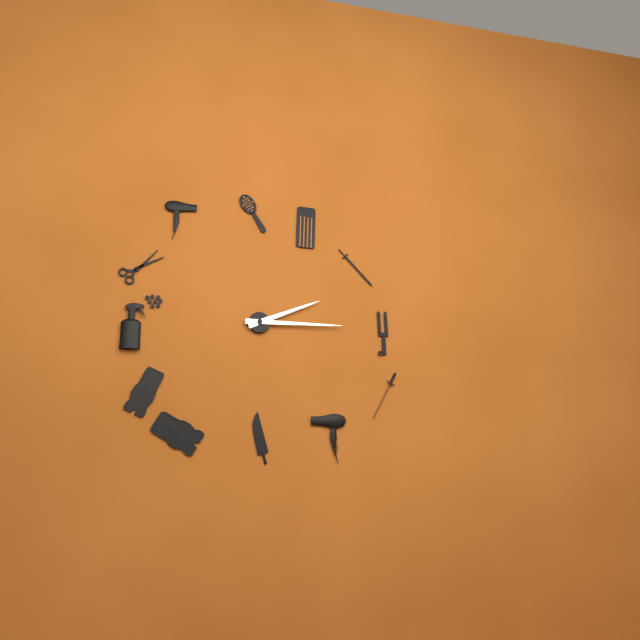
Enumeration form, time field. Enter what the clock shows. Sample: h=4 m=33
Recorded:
h=2 m=15
